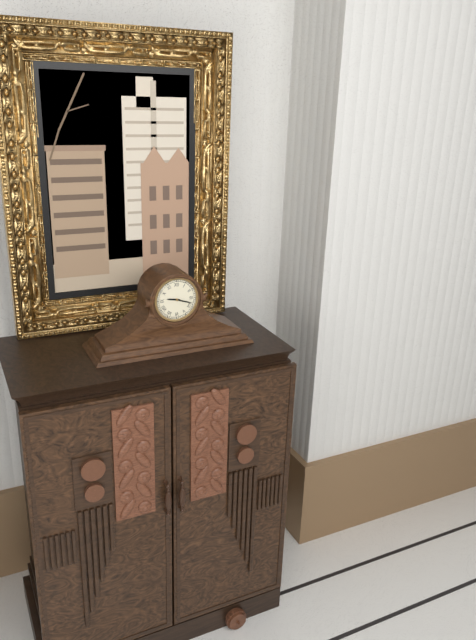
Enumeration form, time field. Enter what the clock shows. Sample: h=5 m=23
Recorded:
h=9 m=18
